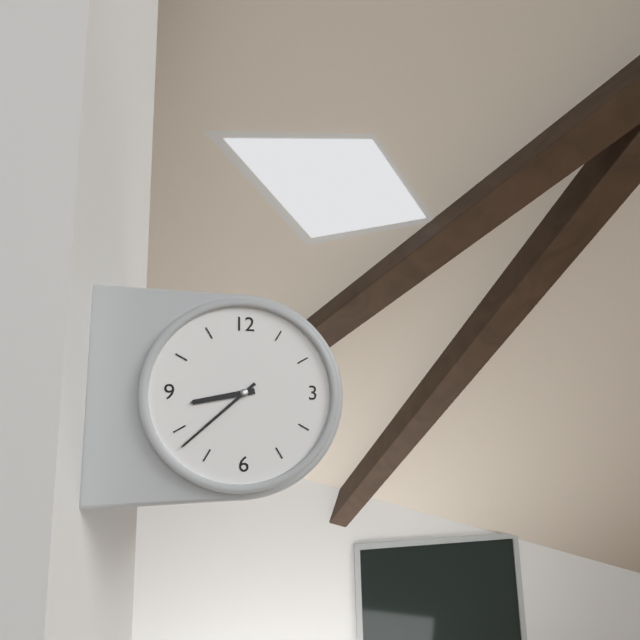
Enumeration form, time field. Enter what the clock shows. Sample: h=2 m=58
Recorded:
h=8 m=38
